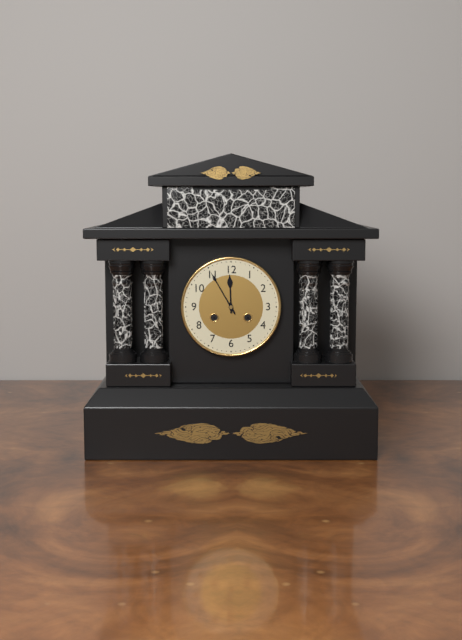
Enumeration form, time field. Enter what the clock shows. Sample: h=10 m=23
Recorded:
h=11 m=55
